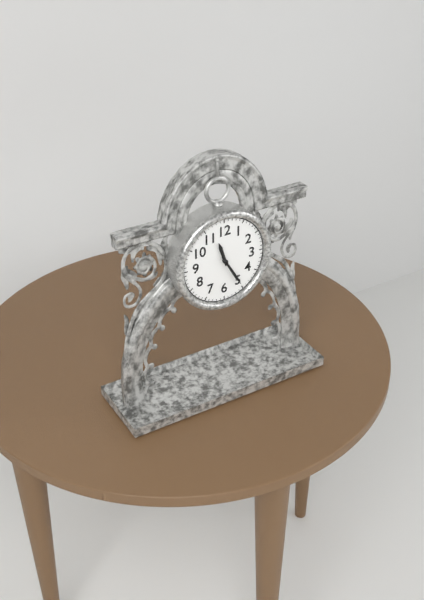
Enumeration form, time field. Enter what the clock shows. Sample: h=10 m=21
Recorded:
h=11 m=25
